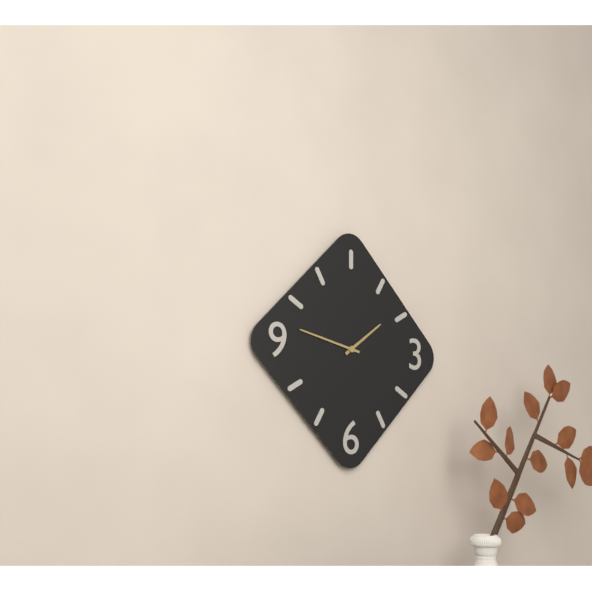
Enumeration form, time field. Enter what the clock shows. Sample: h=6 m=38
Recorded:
h=1 m=47
